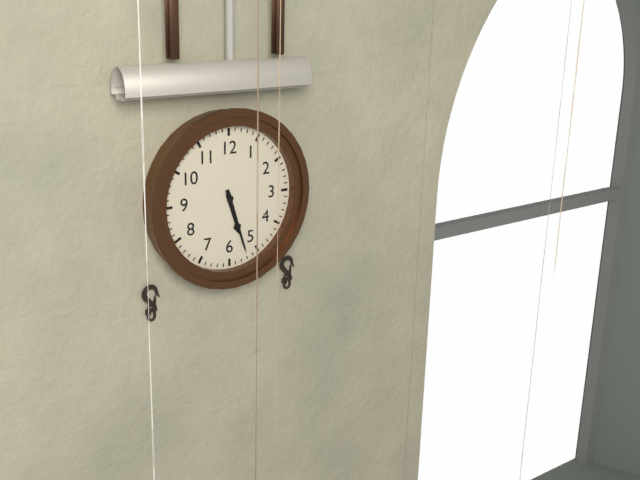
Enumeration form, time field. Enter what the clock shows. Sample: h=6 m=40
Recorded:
h=5 m=27
